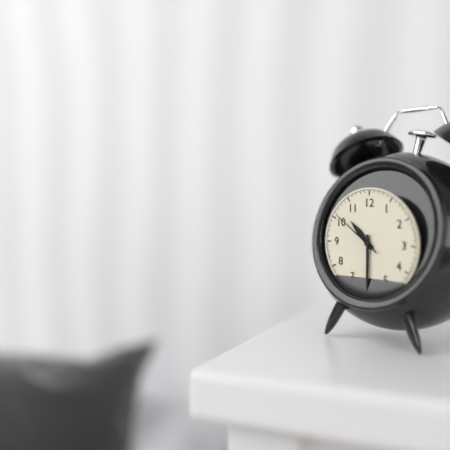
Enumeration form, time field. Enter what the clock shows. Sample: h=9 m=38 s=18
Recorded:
h=10 m=30 s=51
